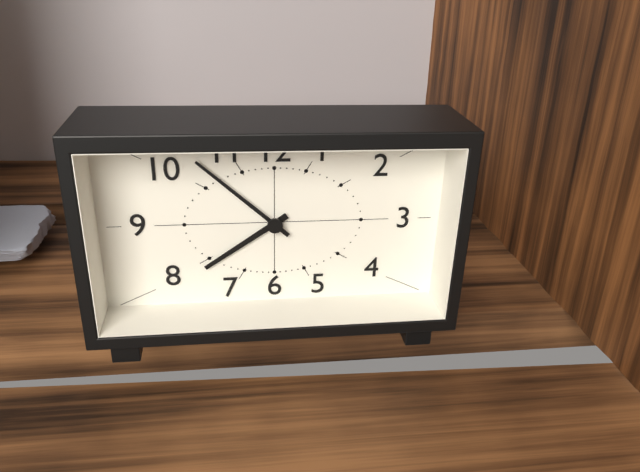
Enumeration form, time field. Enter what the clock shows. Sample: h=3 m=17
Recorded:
h=7 m=52
